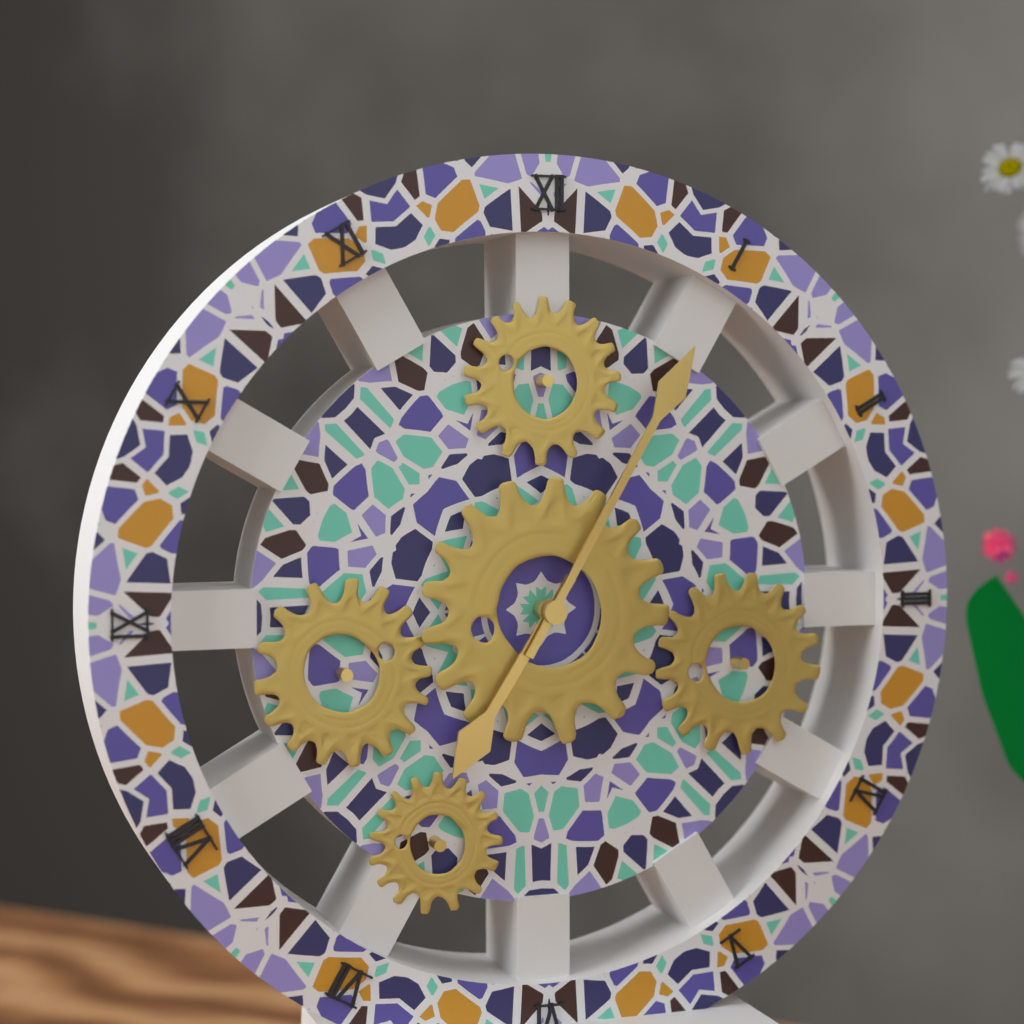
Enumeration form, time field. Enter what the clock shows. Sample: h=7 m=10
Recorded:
h=7 m=5
